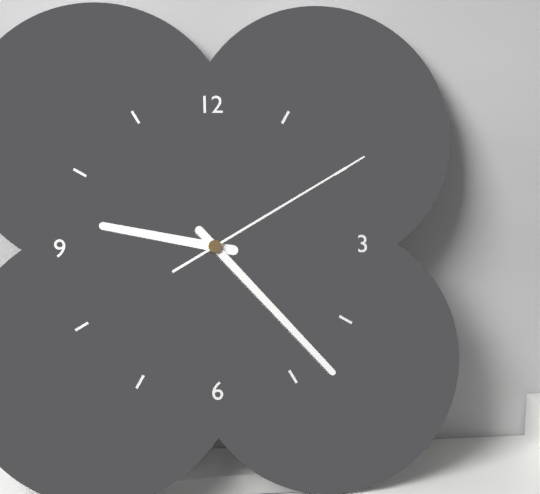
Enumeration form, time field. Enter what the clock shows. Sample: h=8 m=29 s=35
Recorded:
h=9 m=23 s=10
